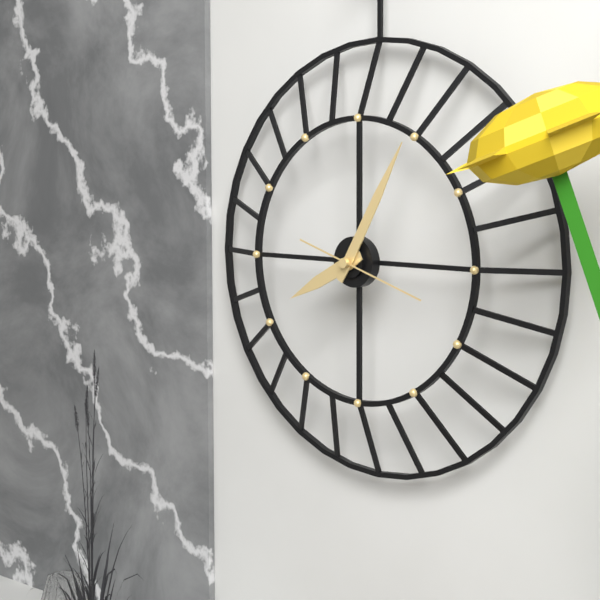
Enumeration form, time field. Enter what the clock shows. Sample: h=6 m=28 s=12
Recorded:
h=8 m=5 s=18
